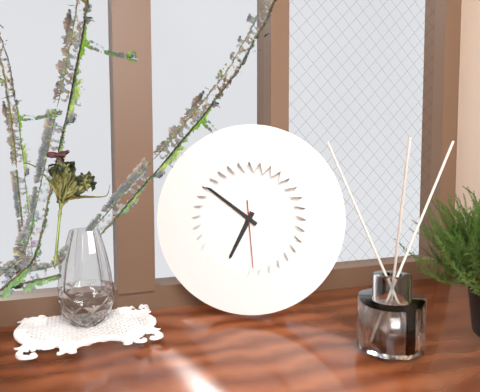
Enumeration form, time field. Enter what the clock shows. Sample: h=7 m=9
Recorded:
h=6 m=51
